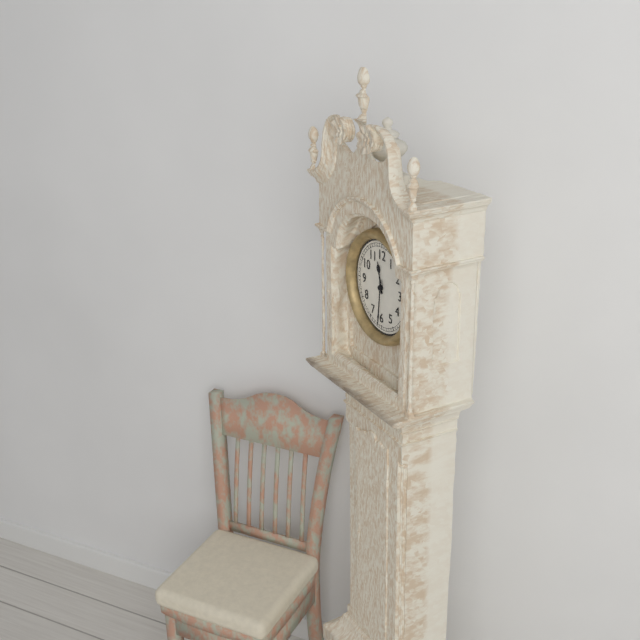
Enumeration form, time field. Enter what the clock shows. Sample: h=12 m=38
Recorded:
h=11 m=31
